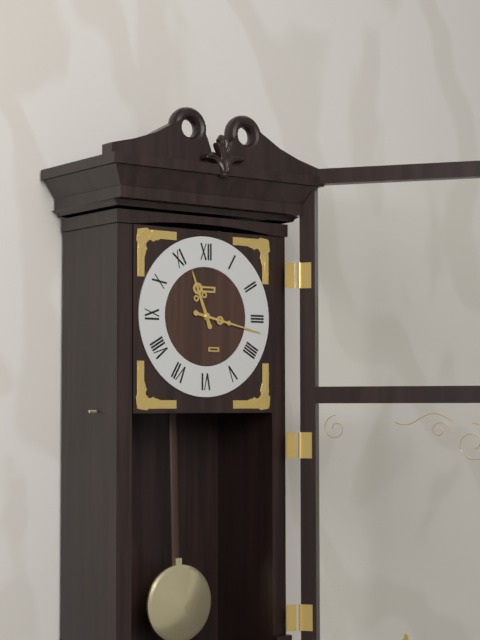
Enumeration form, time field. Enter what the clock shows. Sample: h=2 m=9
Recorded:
h=11 m=17
